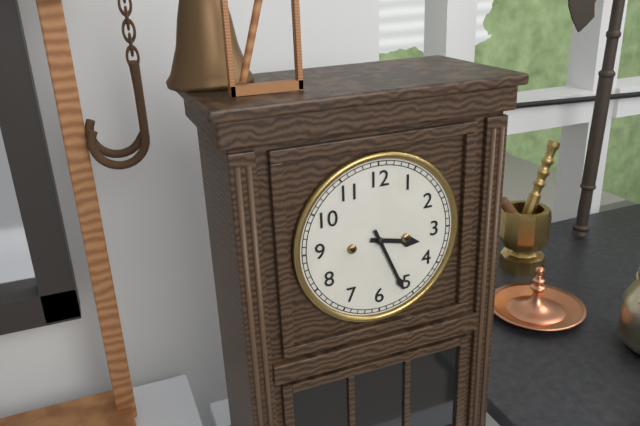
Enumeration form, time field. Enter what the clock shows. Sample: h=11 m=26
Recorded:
h=3 m=26
